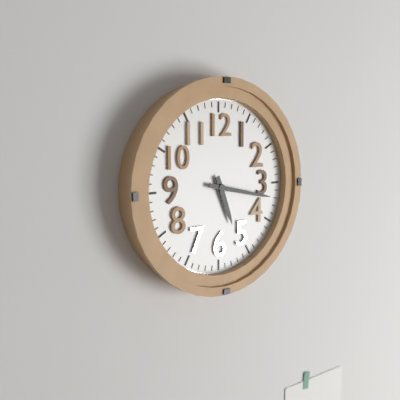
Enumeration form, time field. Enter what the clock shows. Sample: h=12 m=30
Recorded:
h=5 m=17
